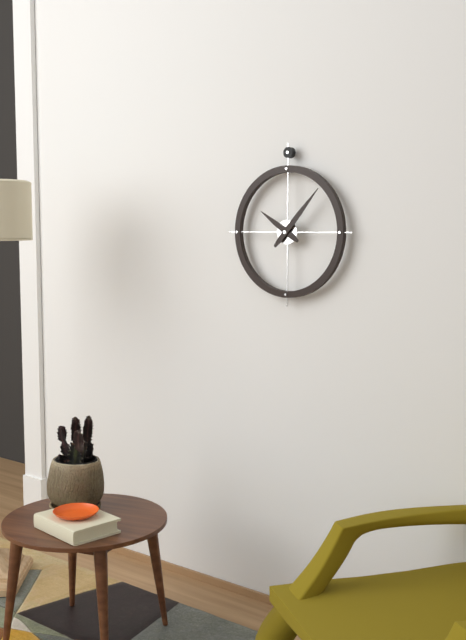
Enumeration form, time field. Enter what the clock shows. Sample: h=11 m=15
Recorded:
h=10 m=7
